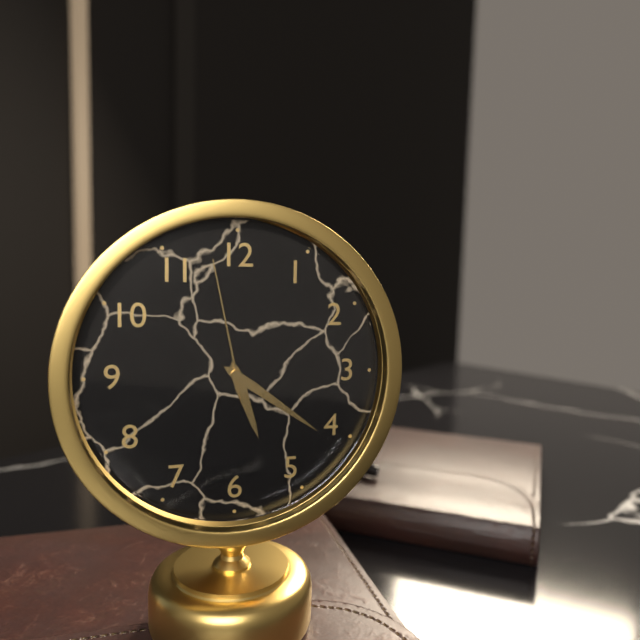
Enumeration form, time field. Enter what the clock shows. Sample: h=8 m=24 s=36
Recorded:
h=5 m=21 s=58
